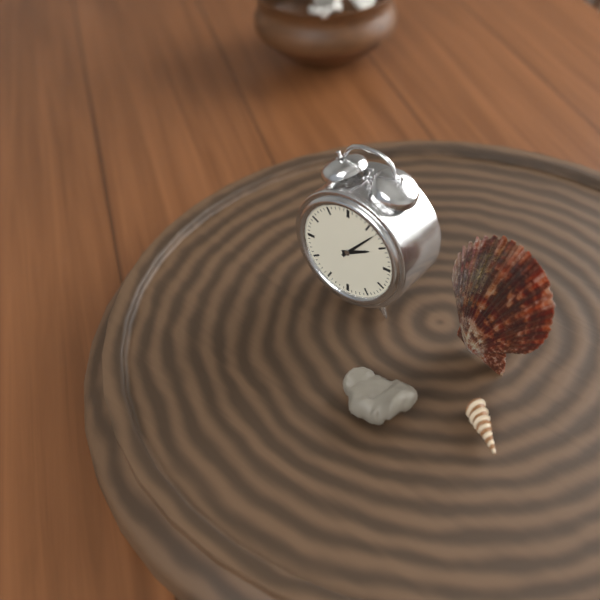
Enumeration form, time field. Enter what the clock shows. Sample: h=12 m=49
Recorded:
h=2 m=7
